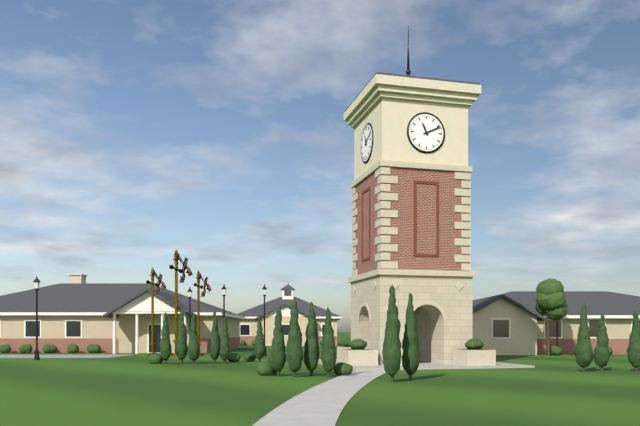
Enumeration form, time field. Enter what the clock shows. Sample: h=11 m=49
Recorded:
h=11 m=11
